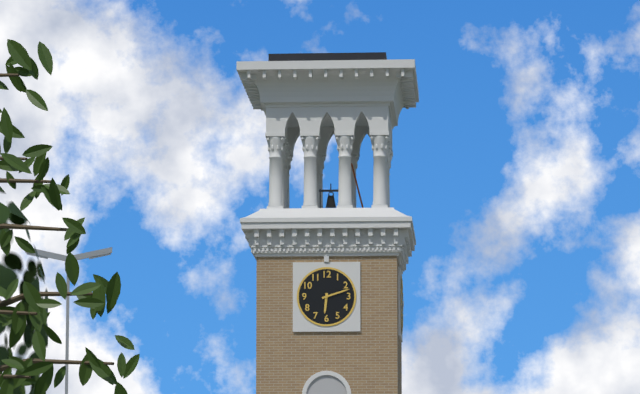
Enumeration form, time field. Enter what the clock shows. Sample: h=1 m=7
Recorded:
h=6 m=12
